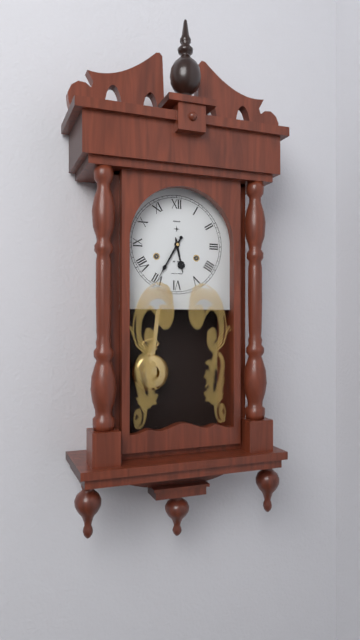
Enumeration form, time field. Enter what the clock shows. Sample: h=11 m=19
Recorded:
h=5 m=35
